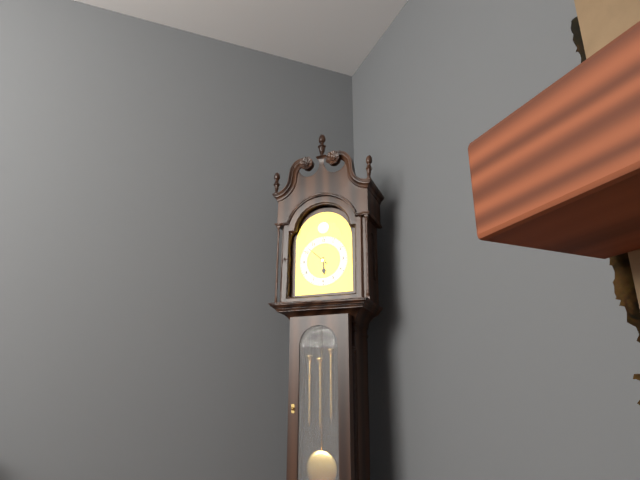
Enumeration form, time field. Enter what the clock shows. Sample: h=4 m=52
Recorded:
h=5 m=52
